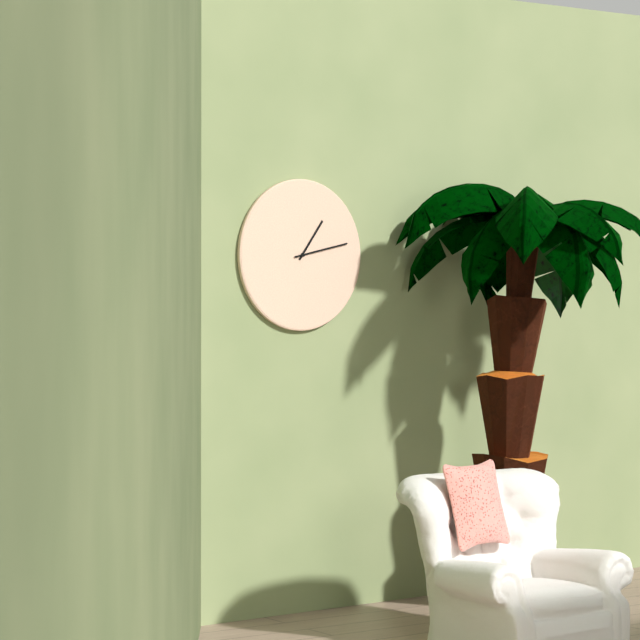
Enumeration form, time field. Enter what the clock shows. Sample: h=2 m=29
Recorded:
h=1 m=13
